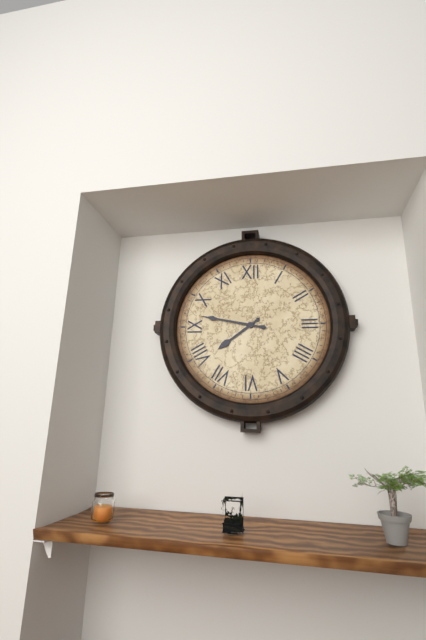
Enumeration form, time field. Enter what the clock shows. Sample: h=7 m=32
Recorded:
h=7 m=47
